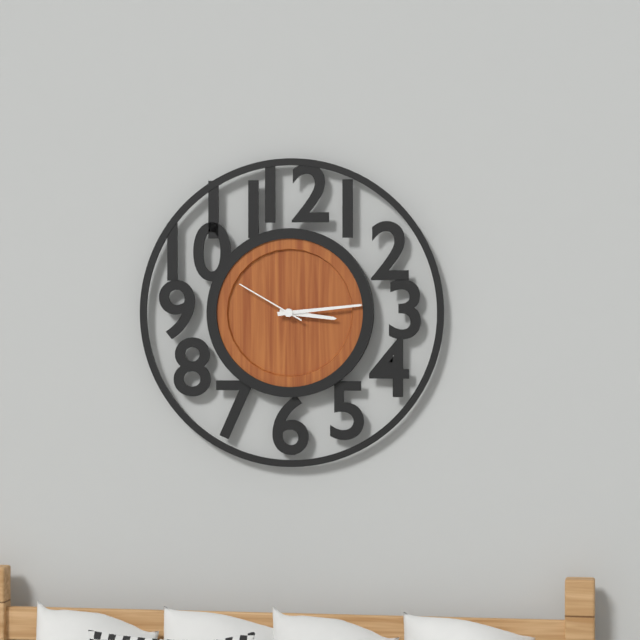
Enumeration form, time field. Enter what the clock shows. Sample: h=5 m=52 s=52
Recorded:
h=3 m=14 s=50
